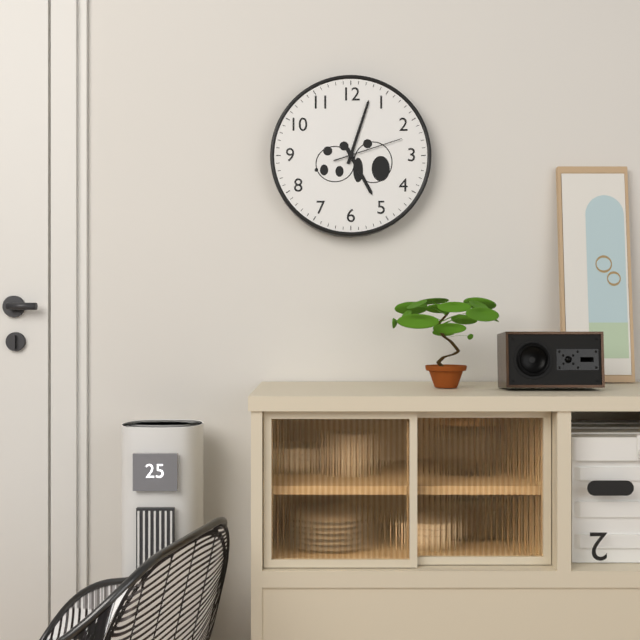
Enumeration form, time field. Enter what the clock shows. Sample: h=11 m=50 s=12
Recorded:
h=5 m=3 s=12
